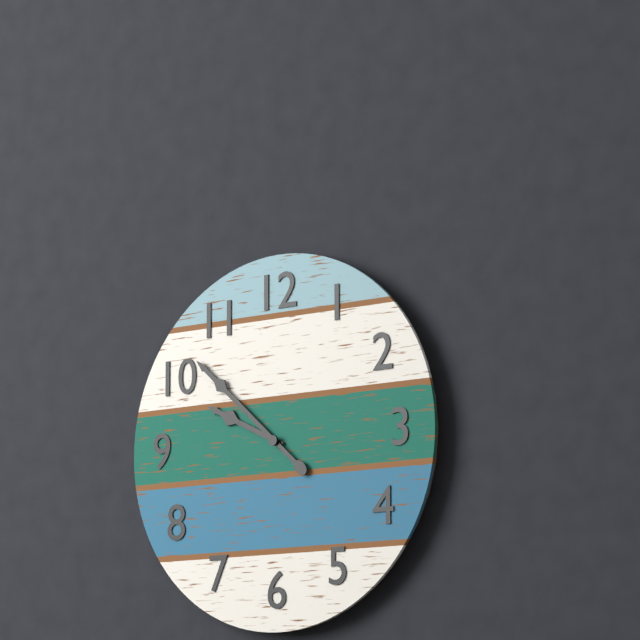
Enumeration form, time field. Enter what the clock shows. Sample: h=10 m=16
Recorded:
h=9 m=52
